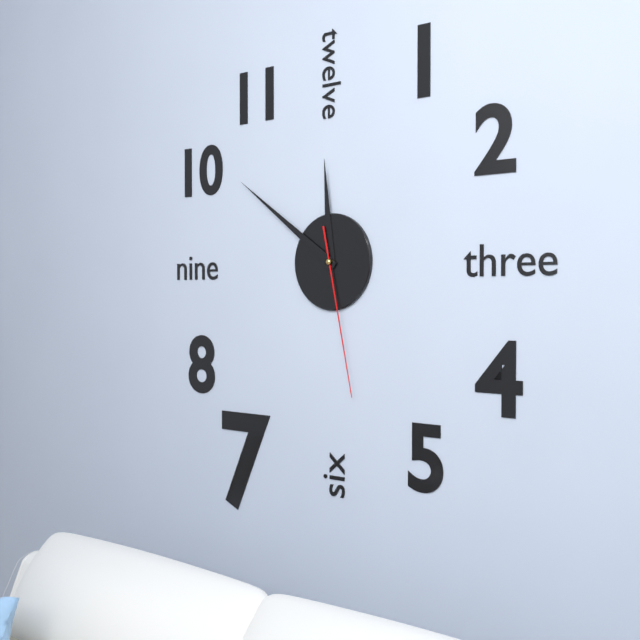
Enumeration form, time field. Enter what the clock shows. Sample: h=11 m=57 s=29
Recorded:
h=11 m=51 s=28
